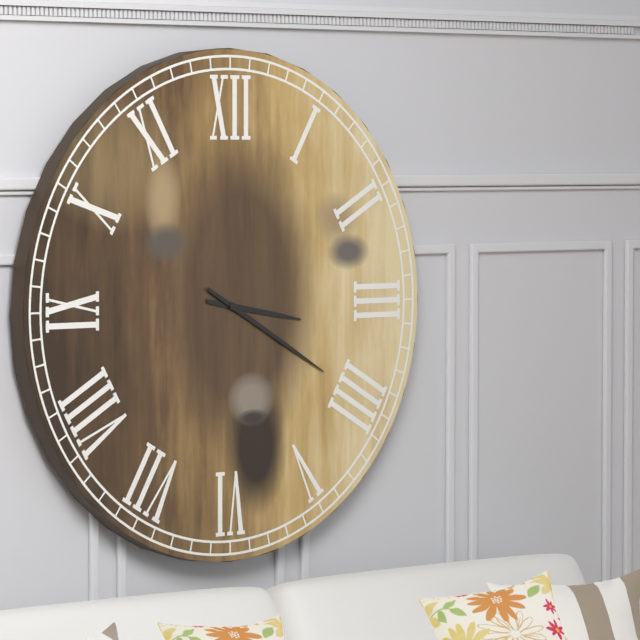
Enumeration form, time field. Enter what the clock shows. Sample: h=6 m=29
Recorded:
h=3 m=20
